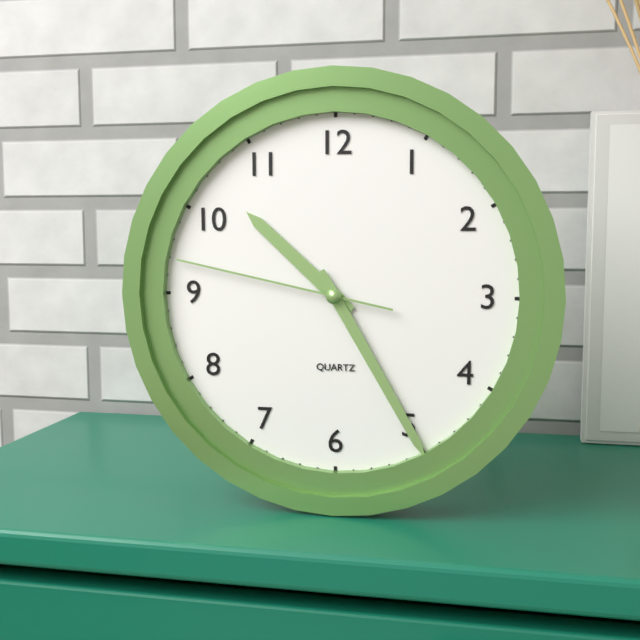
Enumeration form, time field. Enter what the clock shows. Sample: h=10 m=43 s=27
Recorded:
h=10 m=25 s=47
